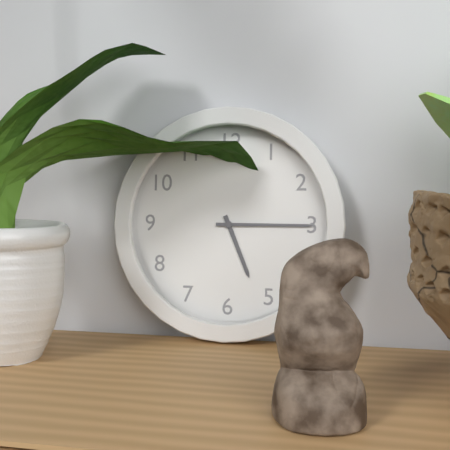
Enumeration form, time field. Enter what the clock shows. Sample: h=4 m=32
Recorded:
h=5 m=15
